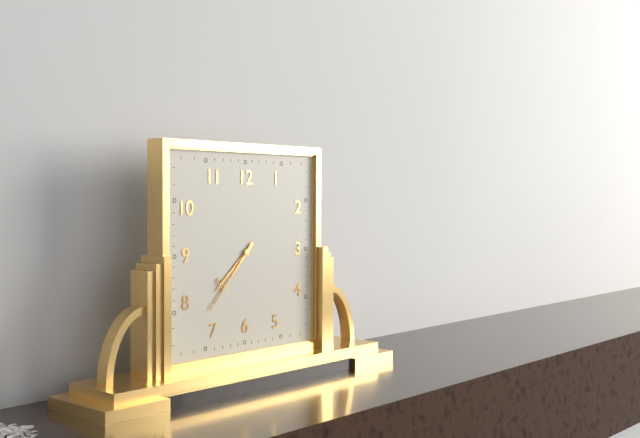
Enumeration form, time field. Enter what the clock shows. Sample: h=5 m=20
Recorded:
h=7 m=37
